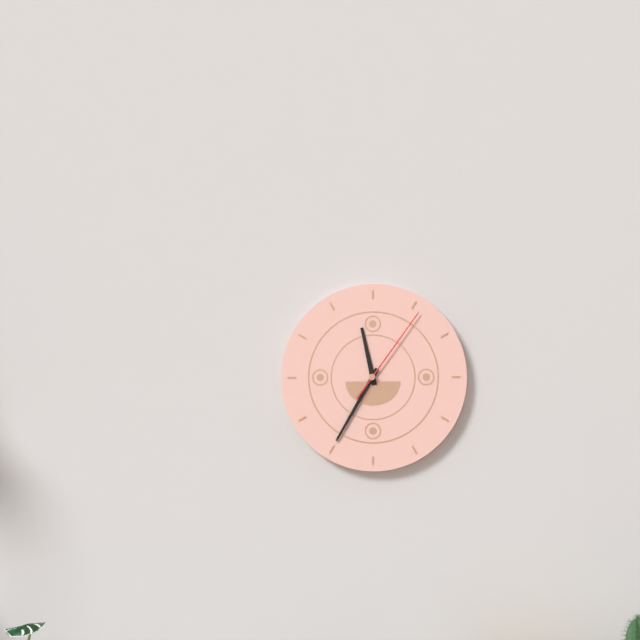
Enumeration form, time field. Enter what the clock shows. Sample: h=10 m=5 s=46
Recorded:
h=11 m=35 s=6
